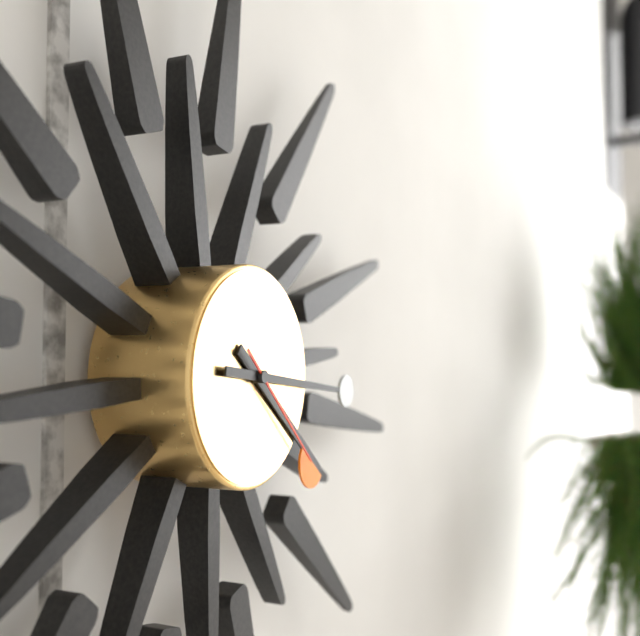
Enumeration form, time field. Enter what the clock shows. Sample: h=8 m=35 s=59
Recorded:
h=4 m=16 s=22
